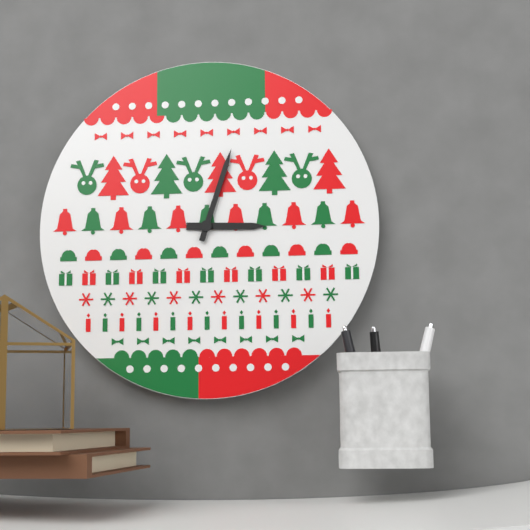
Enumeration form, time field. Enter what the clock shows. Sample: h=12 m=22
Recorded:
h=3 m=3
